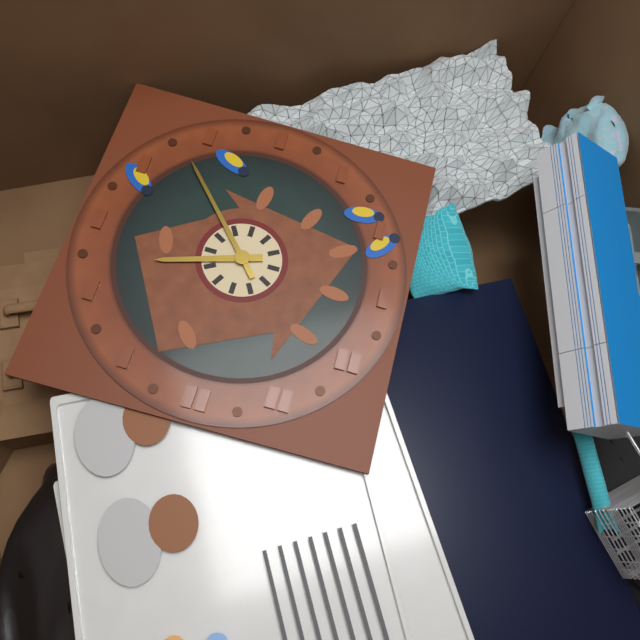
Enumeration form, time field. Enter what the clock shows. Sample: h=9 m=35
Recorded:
h=2 m=23
